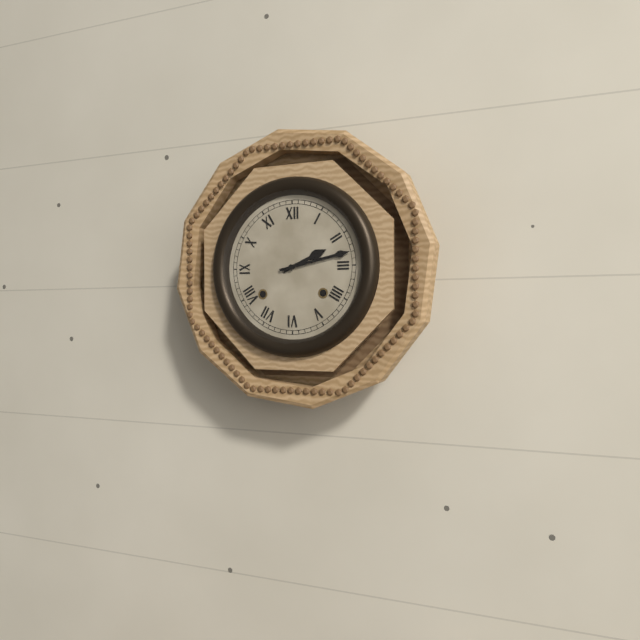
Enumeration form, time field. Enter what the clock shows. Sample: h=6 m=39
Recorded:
h=2 m=13
